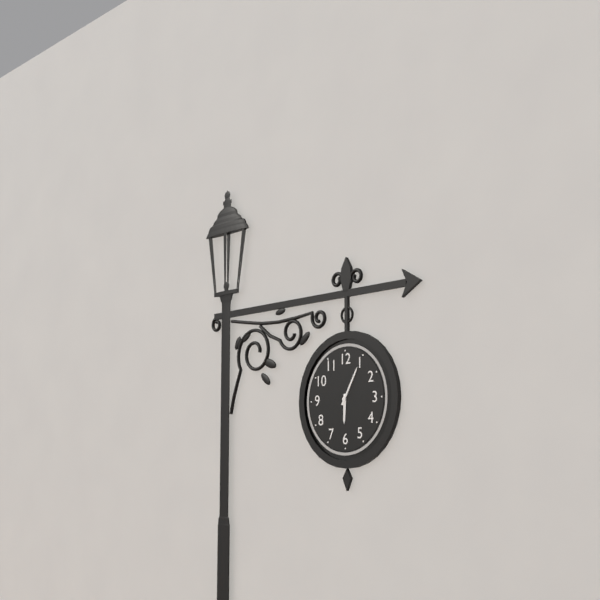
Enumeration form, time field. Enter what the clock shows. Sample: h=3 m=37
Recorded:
h=6 m=5
